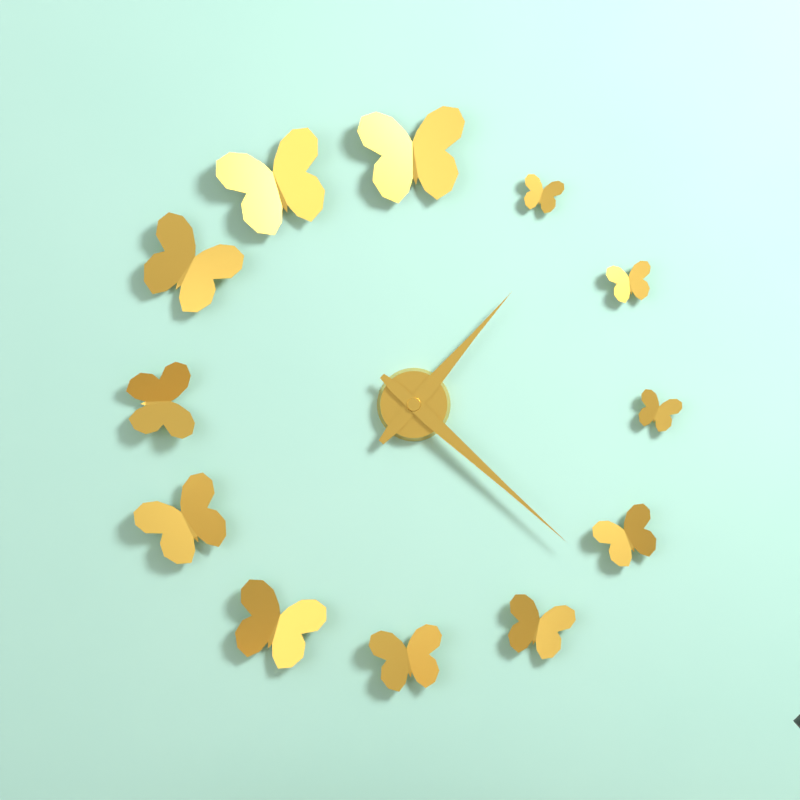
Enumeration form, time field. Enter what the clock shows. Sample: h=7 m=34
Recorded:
h=1 m=22
